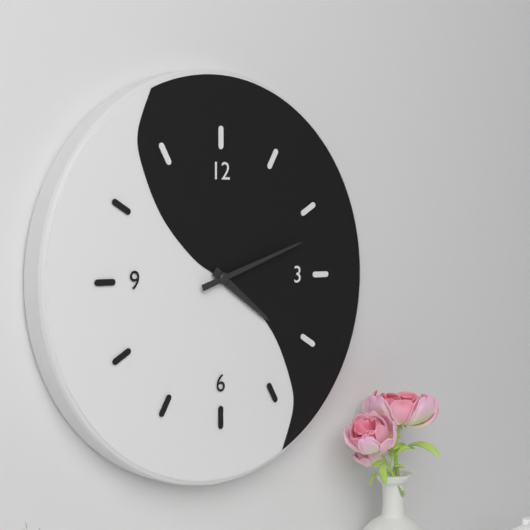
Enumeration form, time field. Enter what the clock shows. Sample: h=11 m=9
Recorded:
h=4 m=12
